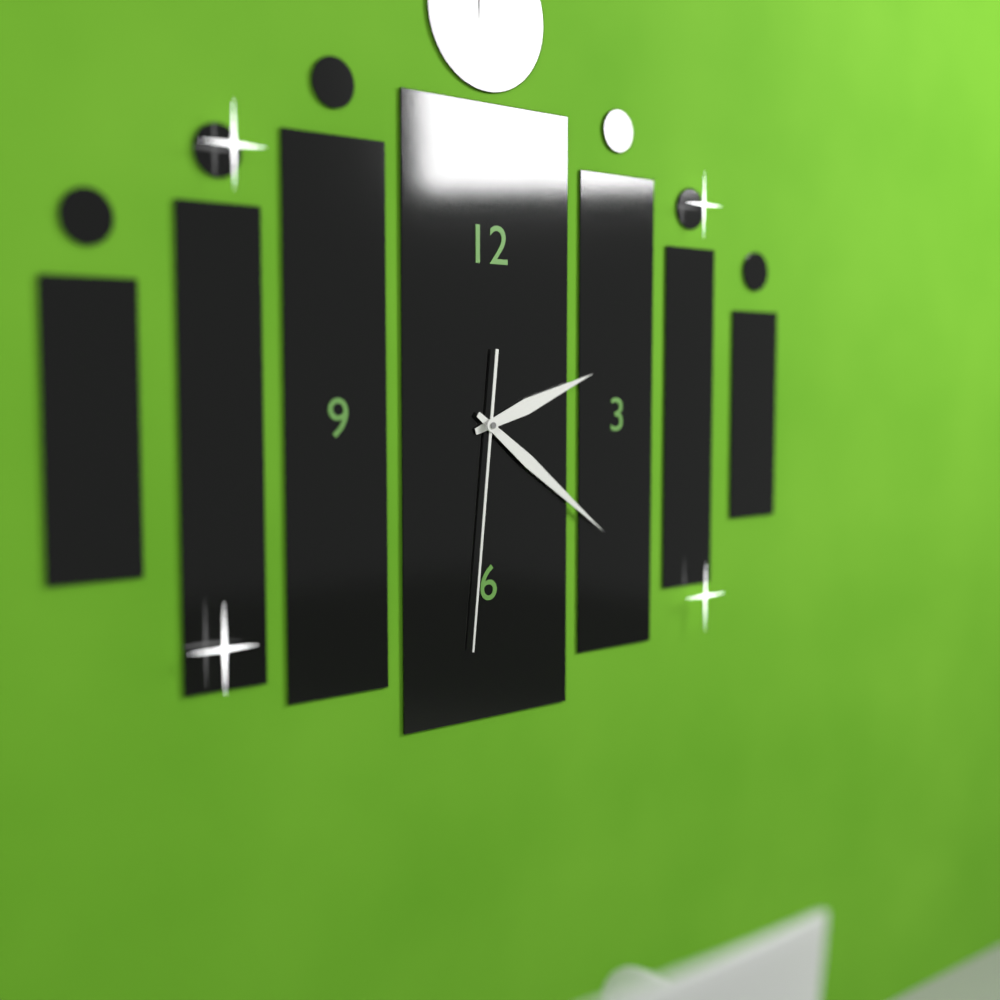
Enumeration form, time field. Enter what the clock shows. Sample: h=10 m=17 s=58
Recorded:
h=2 m=21 s=31
